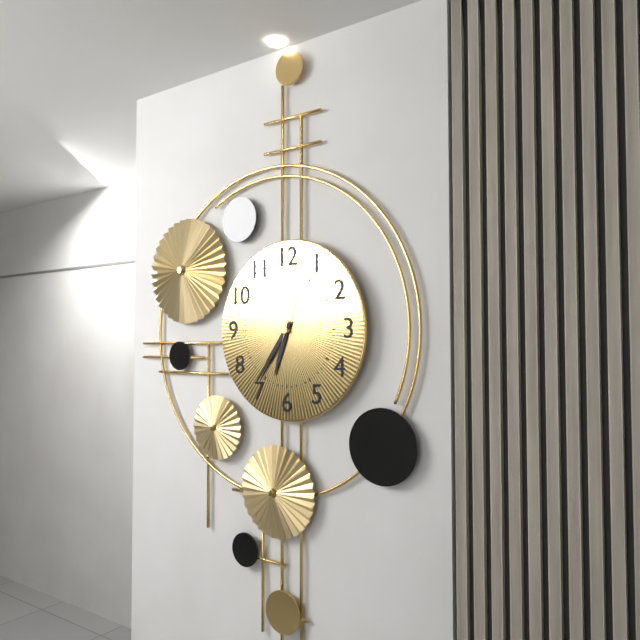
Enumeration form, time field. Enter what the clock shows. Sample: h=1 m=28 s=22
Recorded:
h=6 m=36 s=3
